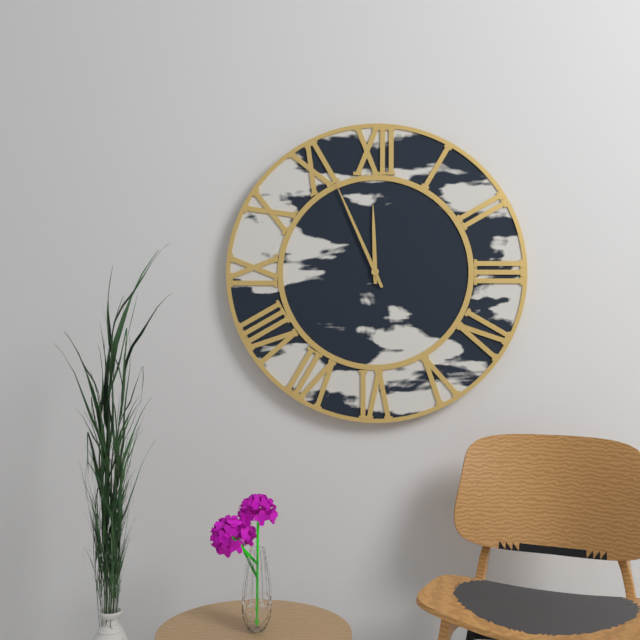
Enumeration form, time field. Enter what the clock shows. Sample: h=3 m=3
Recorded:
h=11 m=56
